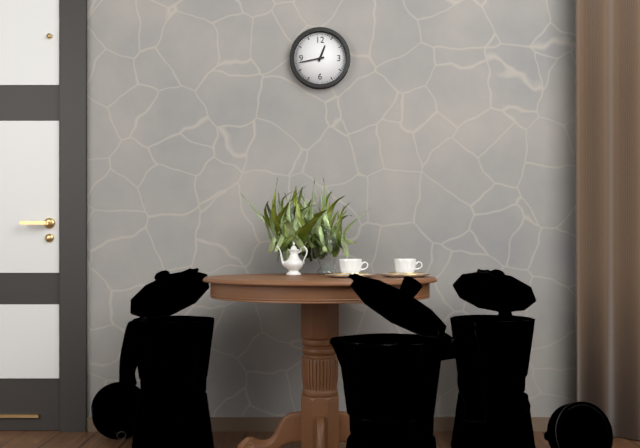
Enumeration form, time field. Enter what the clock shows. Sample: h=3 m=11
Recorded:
h=12 m=43
